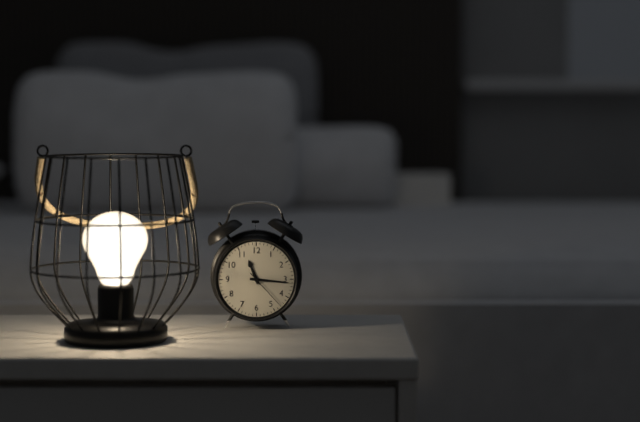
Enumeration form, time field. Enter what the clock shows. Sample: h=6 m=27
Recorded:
h=11 m=16
